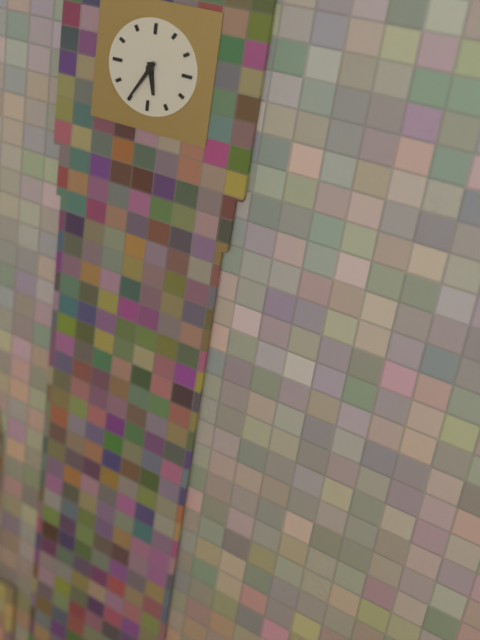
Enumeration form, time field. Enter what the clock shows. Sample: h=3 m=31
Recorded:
h=5 m=35
